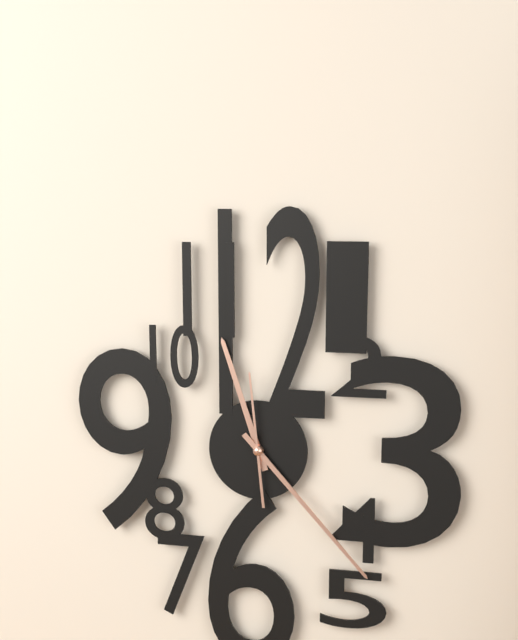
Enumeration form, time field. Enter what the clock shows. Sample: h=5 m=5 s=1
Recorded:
h=11 m=23 s=59
